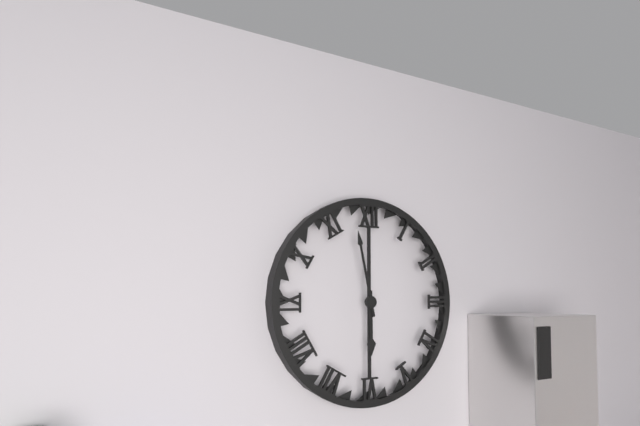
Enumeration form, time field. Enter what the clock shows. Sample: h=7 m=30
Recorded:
h=5 m=58
